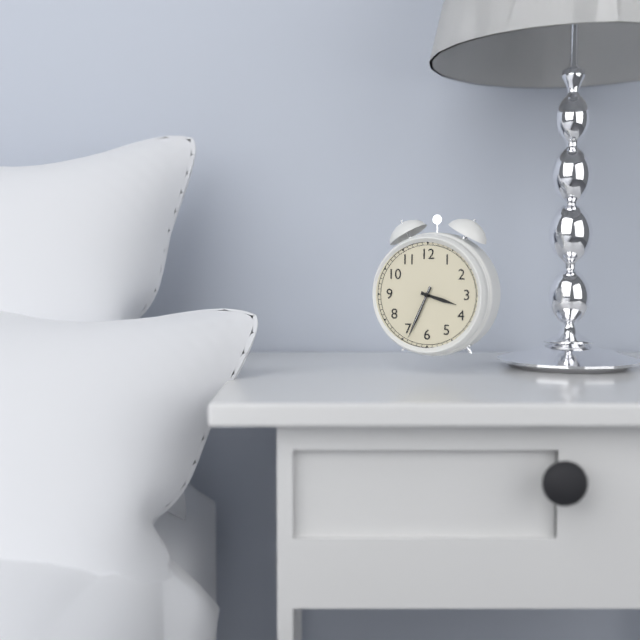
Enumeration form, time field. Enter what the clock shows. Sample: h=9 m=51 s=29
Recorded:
h=3 m=34 s=34
